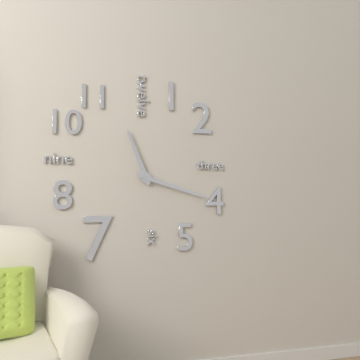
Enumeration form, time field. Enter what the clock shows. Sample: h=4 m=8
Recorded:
h=11 m=18
